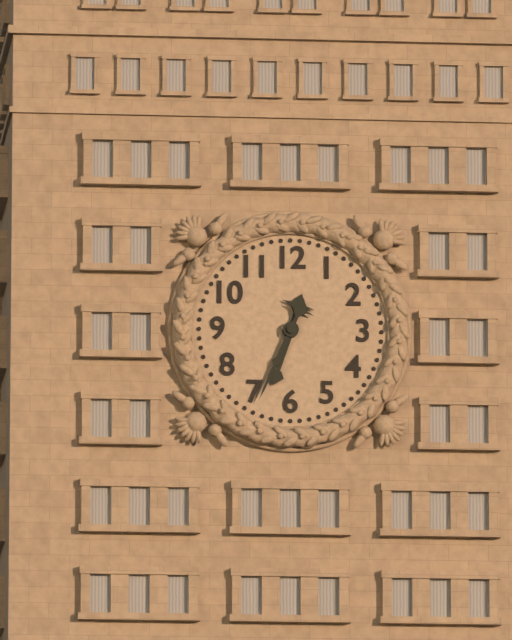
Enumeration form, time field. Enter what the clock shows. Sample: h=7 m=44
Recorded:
h=6 m=34
